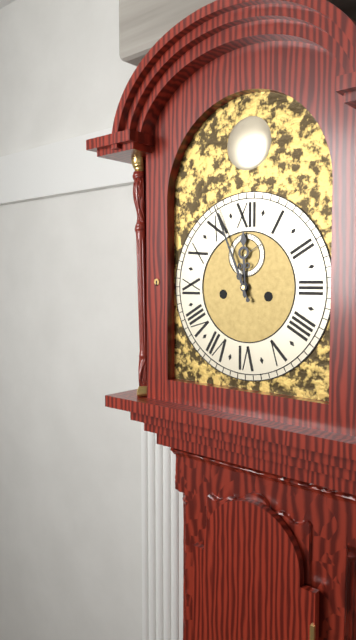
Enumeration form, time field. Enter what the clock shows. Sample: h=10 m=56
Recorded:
h=11 m=56
